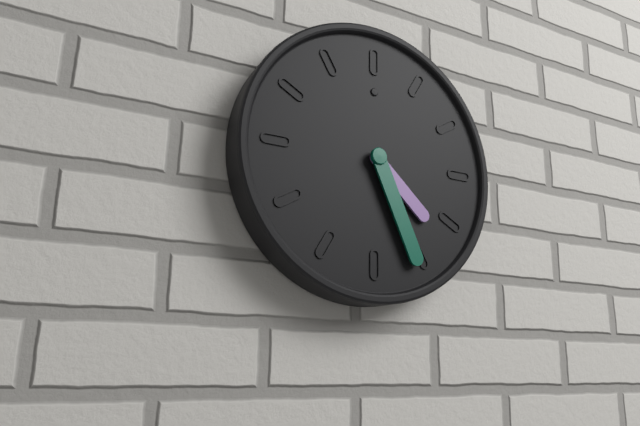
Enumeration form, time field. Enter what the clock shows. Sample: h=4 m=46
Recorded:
h=4 m=26
